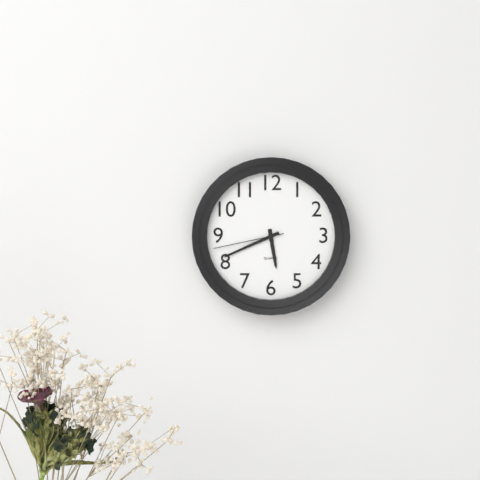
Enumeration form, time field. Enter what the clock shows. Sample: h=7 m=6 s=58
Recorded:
h=5 m=41 s=43
